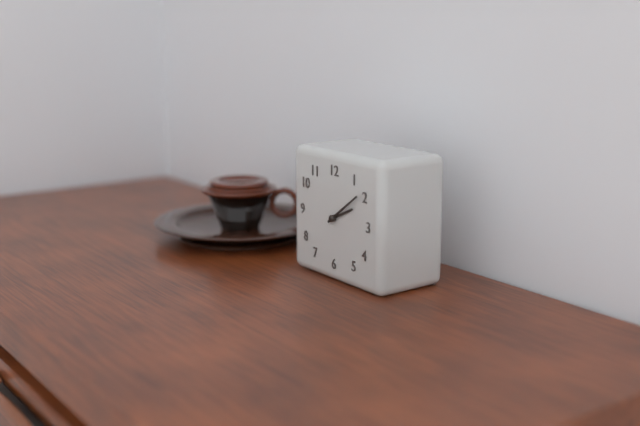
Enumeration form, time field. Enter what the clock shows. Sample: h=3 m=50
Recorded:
h=2 m=9
